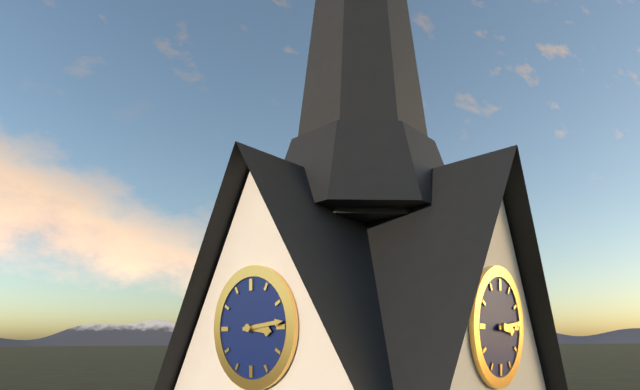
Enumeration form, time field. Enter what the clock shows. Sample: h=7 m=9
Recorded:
h=3 m=14
